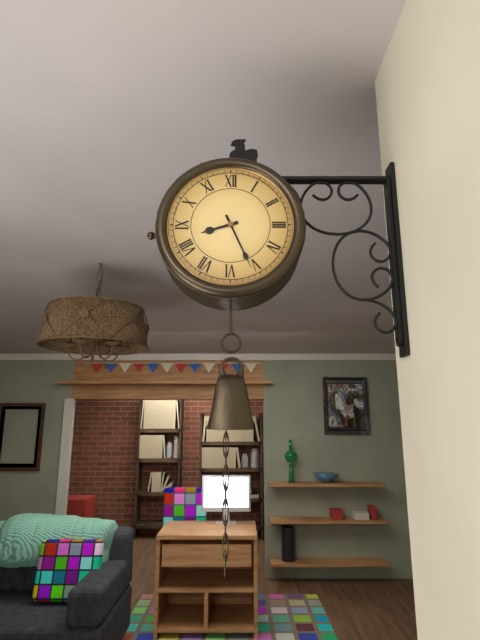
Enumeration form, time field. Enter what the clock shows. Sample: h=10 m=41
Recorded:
h=8 m=26
